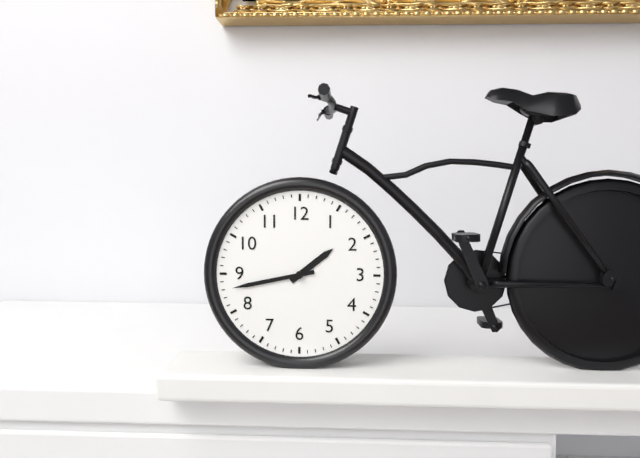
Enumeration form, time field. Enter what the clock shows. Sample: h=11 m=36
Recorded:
h=1 m=43
